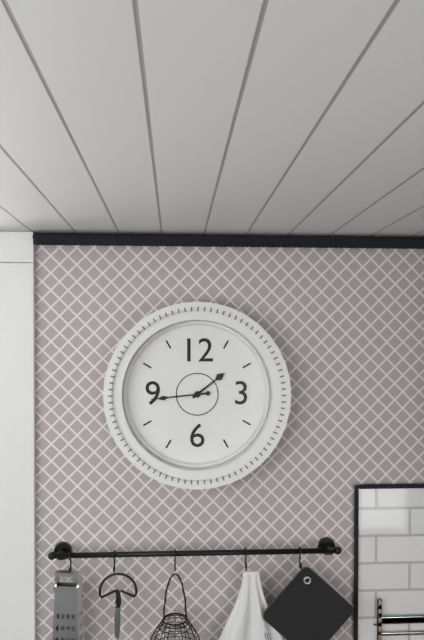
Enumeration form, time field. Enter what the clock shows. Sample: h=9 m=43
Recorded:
h=1 m=44
